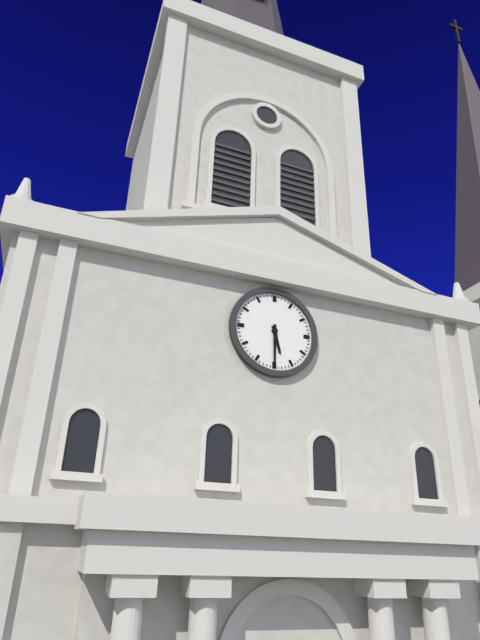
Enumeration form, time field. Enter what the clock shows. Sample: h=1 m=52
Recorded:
h=5 m=30
